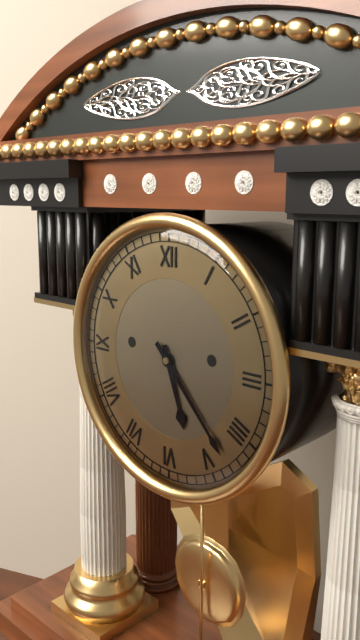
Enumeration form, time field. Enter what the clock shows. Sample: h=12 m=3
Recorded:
h=5 m=23
